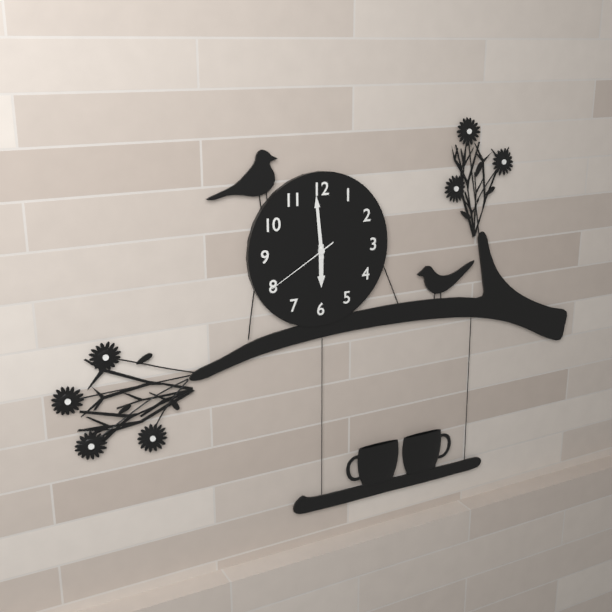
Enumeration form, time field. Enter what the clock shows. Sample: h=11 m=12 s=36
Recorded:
h=5 m=59 s=40
